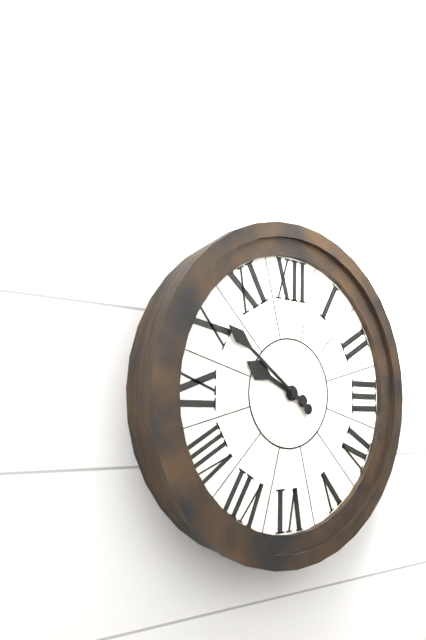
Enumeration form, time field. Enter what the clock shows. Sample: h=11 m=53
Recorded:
h=9 m=51
